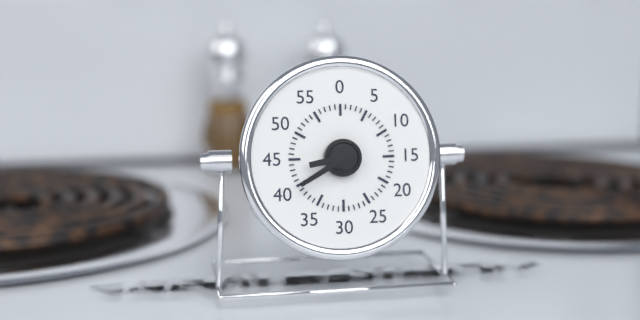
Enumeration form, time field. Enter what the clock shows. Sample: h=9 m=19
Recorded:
h=8 m=40
